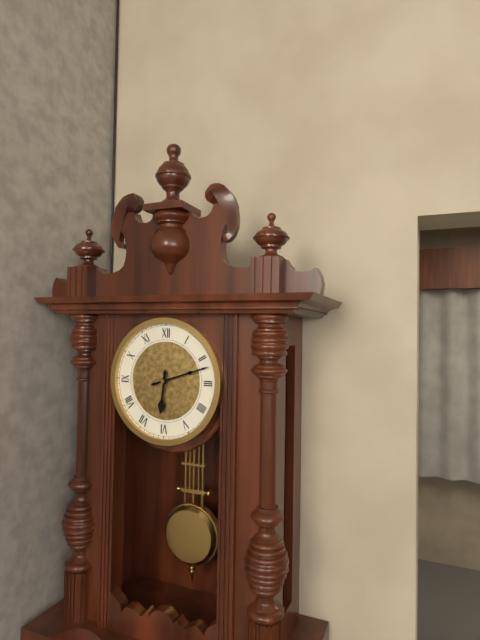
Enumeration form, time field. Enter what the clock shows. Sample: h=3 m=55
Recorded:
h=6 m=12
